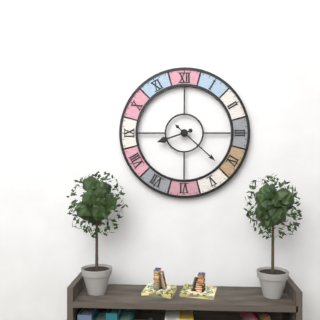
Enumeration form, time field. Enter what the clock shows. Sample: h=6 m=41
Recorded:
h=8 m=22
